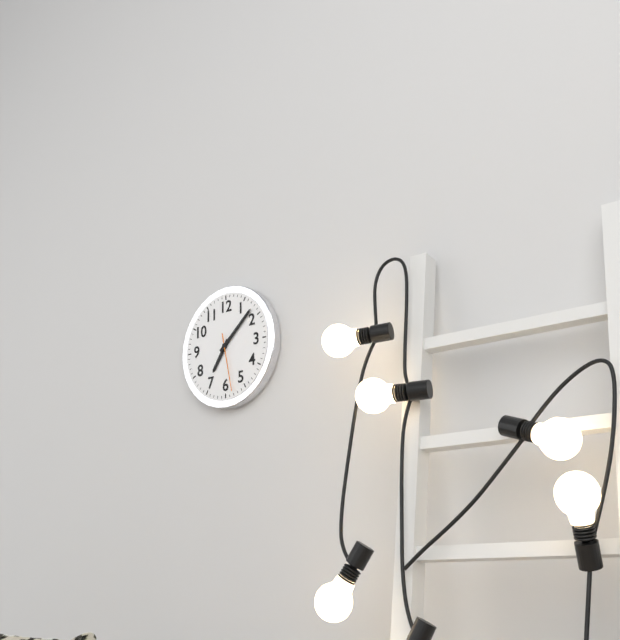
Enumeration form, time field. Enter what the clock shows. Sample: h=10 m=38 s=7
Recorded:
h=7 m=8 s=28
